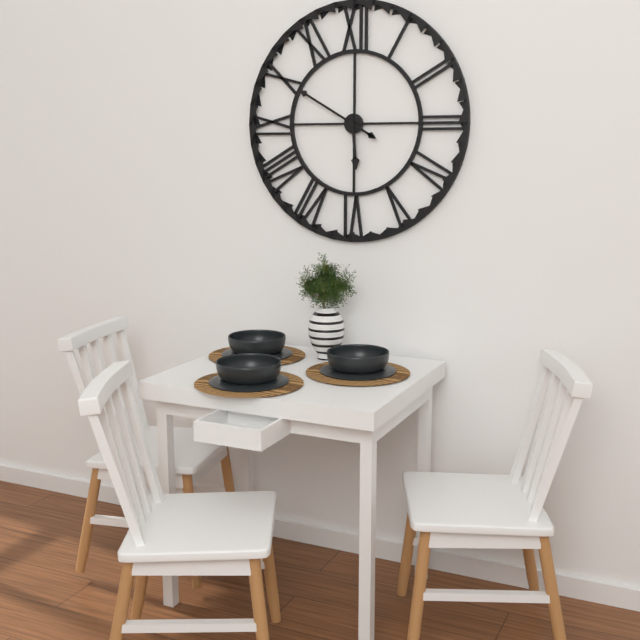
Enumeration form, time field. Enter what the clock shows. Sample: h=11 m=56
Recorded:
h=5 m=50
